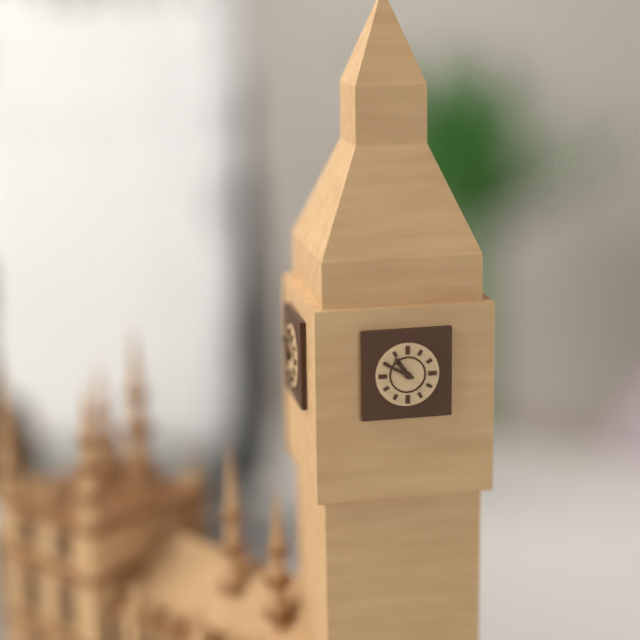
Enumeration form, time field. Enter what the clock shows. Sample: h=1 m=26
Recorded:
h=10 m=50
